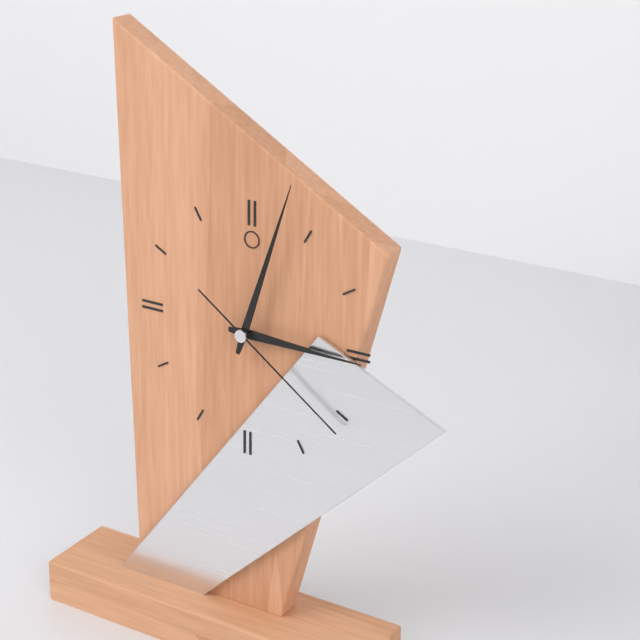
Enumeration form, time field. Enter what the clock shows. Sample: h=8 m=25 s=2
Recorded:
h=3 m=3 s=21
